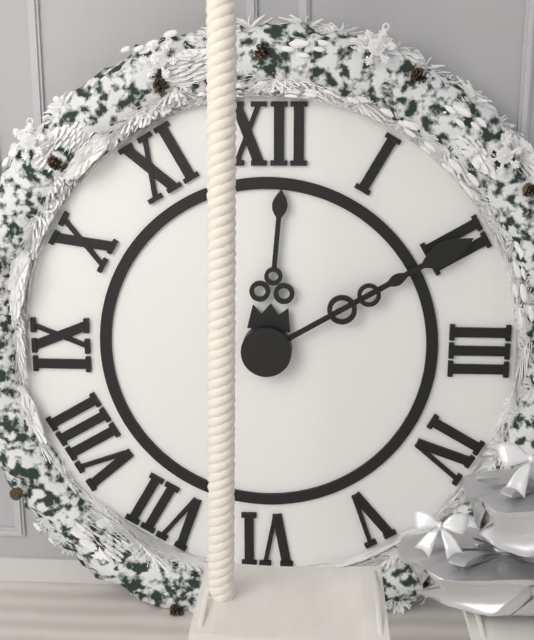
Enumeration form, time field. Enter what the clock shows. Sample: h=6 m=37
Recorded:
h=12 m=10
